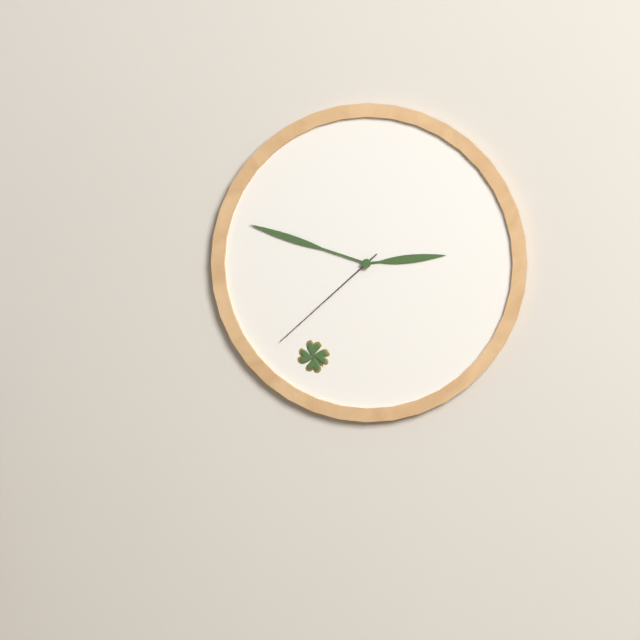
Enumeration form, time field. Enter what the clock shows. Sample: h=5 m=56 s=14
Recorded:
h=2 m=48 s=38
